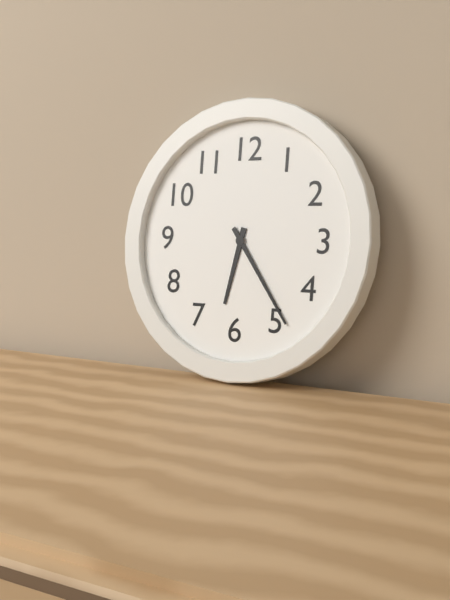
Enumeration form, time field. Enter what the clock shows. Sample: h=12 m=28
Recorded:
h=6 m=24
